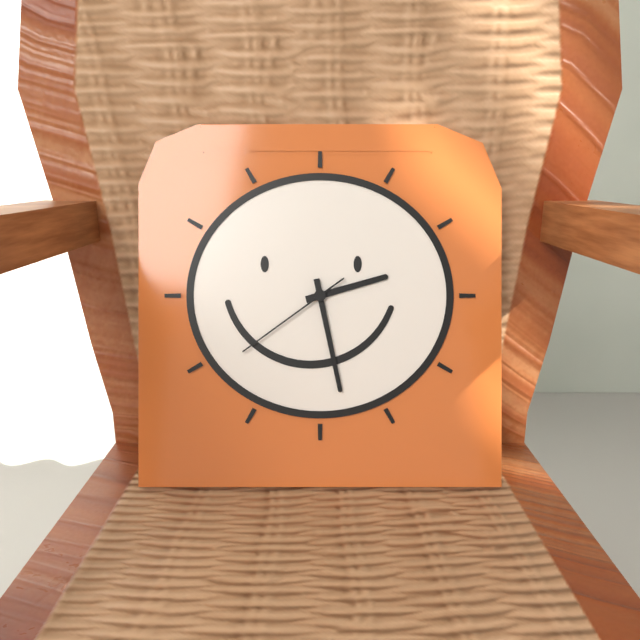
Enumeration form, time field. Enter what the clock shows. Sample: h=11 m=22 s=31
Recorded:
h=2 m=28 s=39
